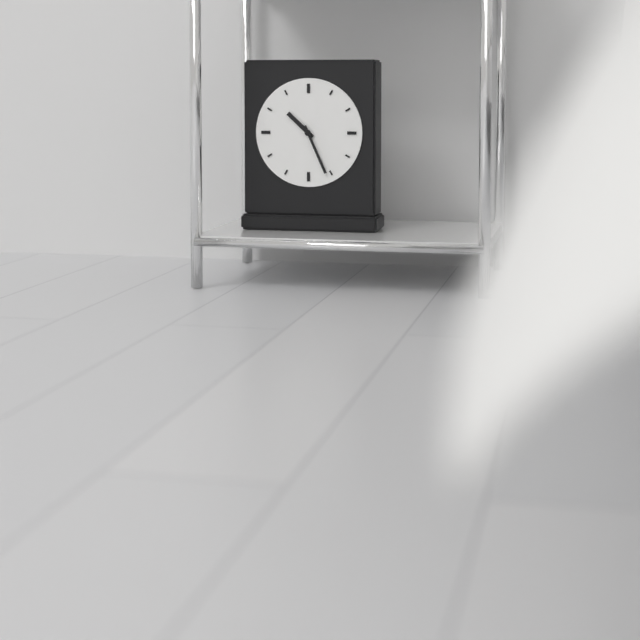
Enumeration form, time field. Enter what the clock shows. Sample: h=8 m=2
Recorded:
h=10 m=26
